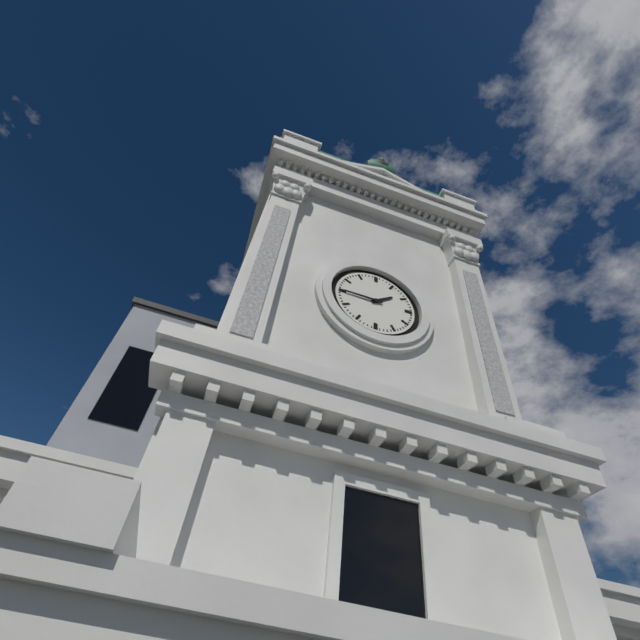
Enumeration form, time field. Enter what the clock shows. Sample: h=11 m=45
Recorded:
h=1 m=45
